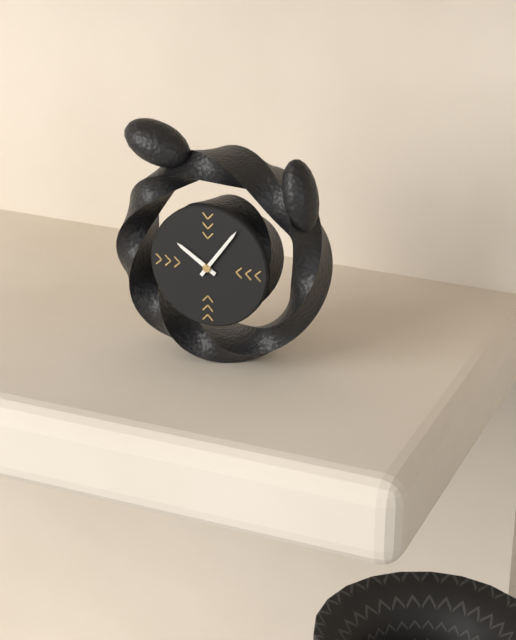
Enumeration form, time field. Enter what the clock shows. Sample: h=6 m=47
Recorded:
h=10 m=6
